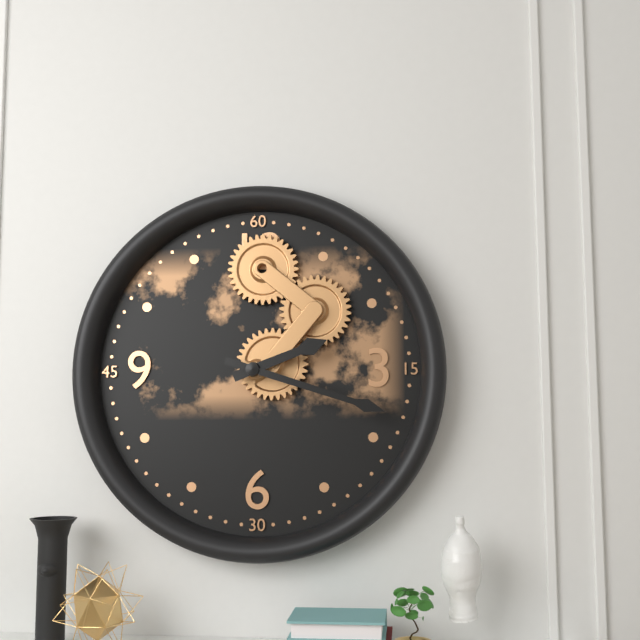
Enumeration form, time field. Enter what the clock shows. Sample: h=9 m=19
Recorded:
h=2 m=18
